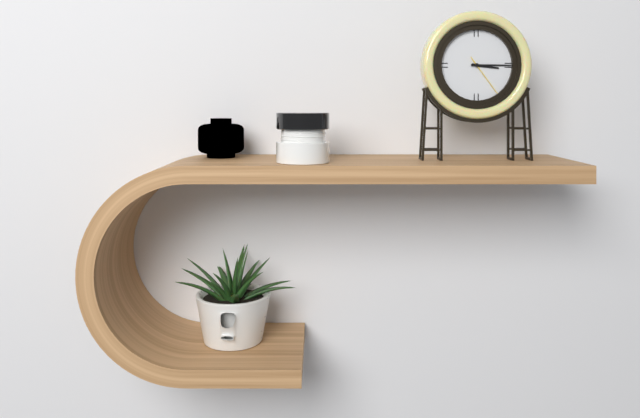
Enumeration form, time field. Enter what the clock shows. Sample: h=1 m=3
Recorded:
h=3 m=15
